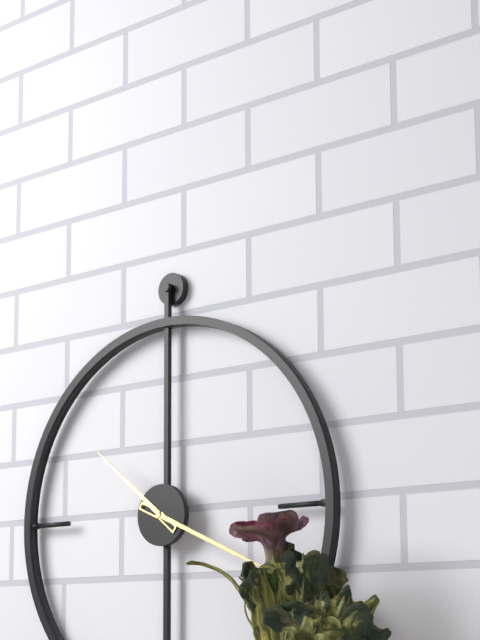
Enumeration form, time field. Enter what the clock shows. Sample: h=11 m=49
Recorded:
h=10 m=19
